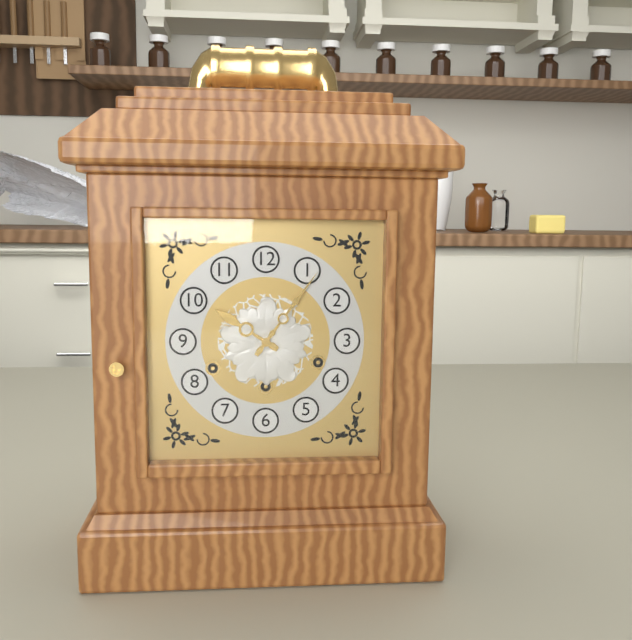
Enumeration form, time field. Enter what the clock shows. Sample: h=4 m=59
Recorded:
h=10 m=6
